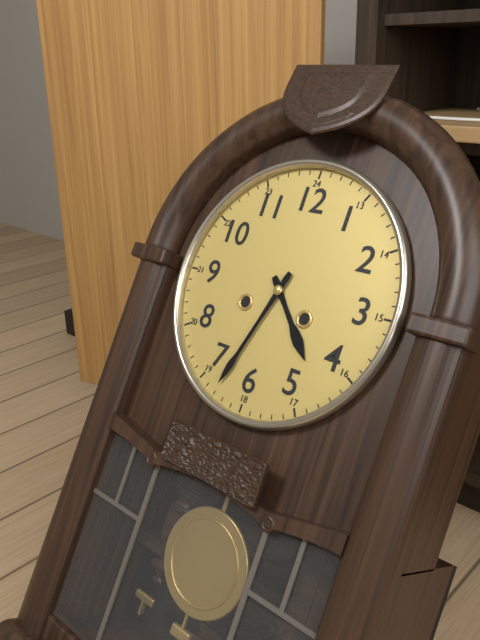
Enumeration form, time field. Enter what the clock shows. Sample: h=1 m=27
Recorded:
h=4 m=33
